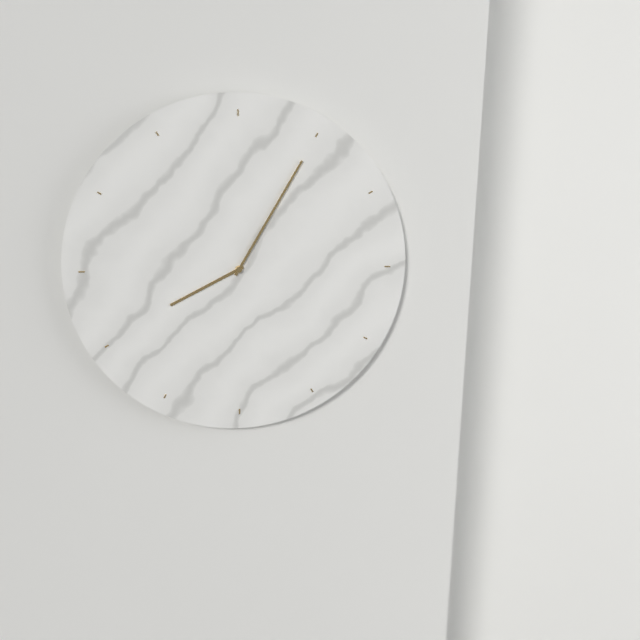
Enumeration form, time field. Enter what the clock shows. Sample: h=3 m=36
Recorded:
h=8 m=5
